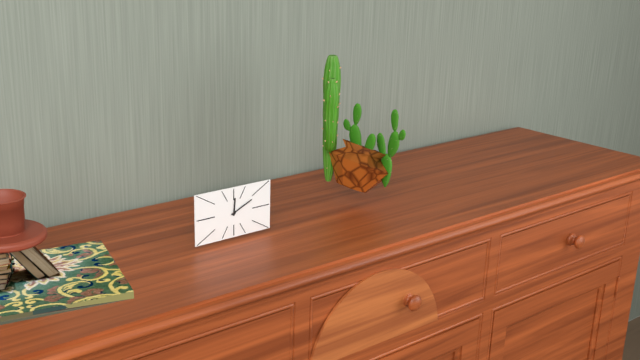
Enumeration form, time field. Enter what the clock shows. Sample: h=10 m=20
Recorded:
h=12 m=11
